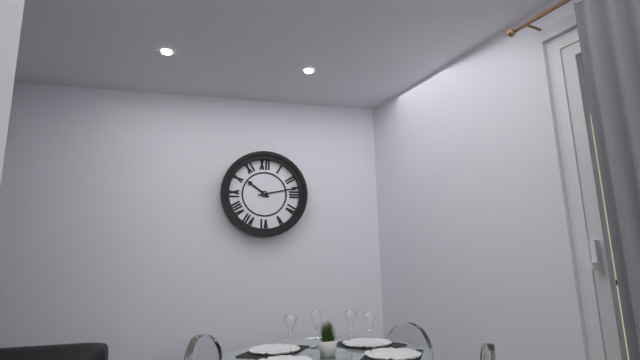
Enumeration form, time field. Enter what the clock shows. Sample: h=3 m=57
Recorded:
h=10 m=13
